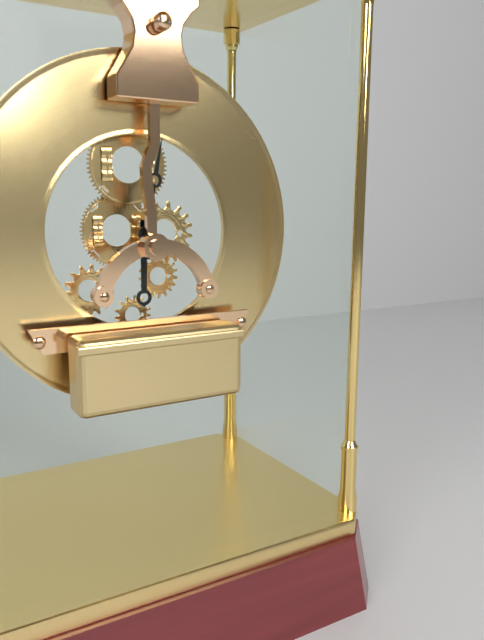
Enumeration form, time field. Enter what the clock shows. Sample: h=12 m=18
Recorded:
h=6 m=2
